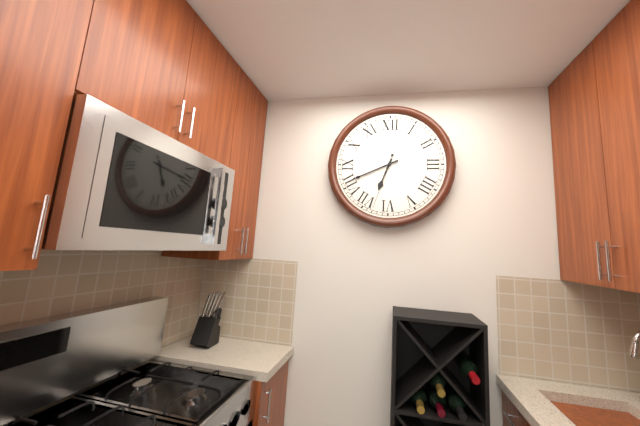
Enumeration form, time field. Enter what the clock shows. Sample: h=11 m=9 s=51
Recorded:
h=6 m=41 s=33
